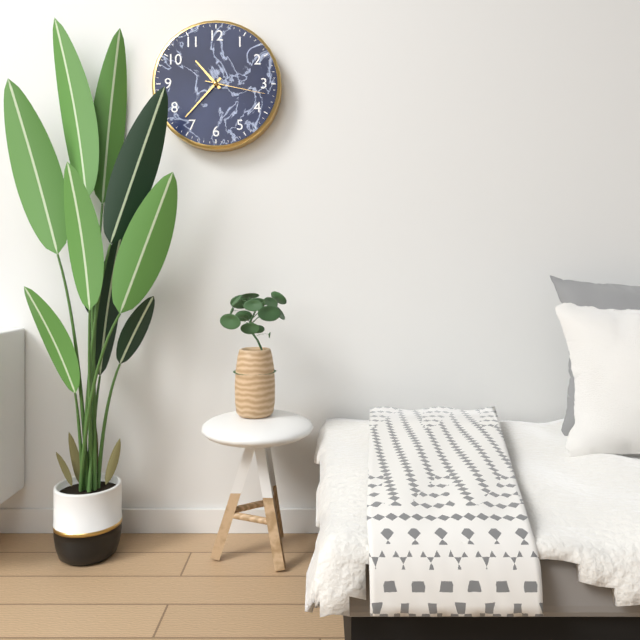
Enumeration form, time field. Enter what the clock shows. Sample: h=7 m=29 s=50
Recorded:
h=10 m=37 s=17
